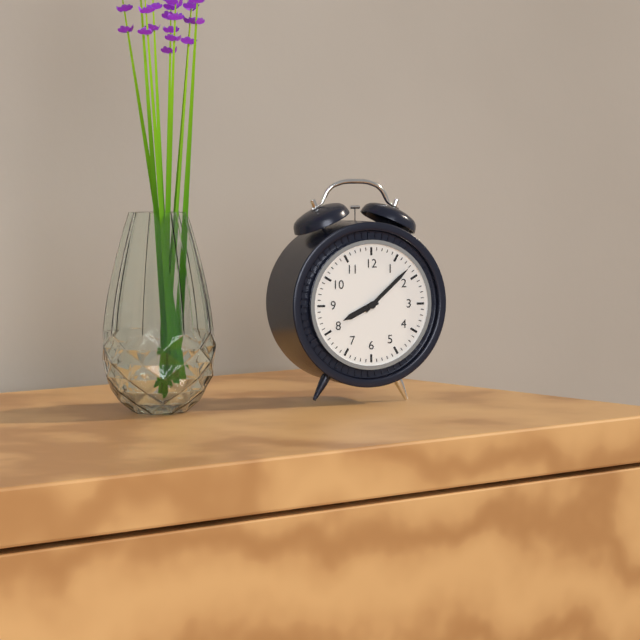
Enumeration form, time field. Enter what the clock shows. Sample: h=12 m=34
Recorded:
h=8 m=8
